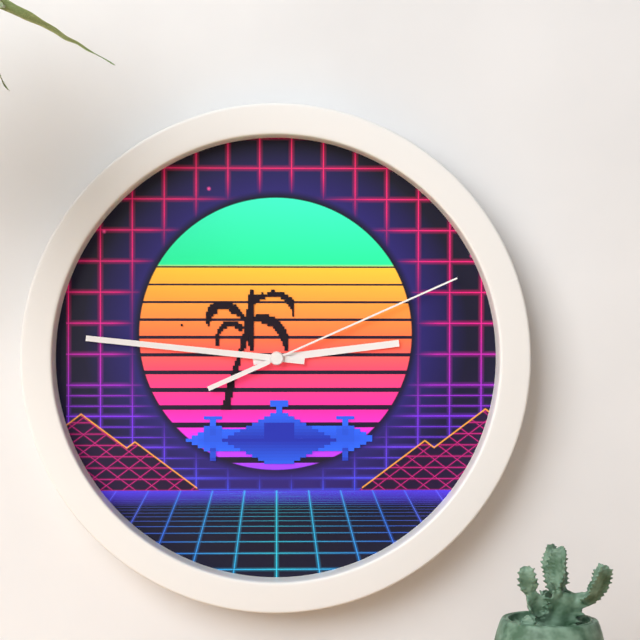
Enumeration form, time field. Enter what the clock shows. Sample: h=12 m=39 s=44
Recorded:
h=2 m=46 s=11
